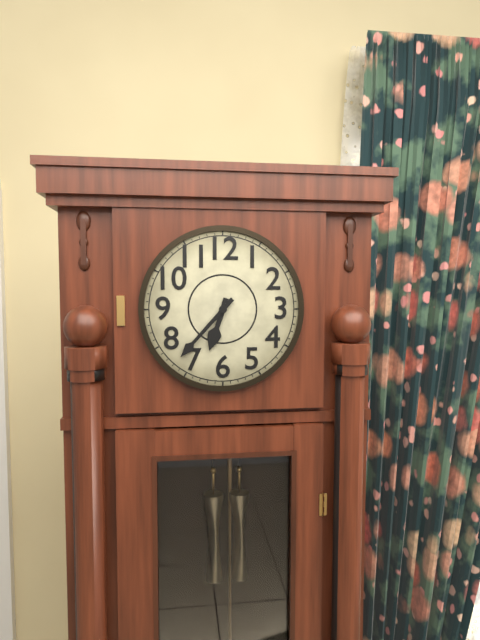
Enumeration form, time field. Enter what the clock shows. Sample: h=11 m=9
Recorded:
h=6 m=37
